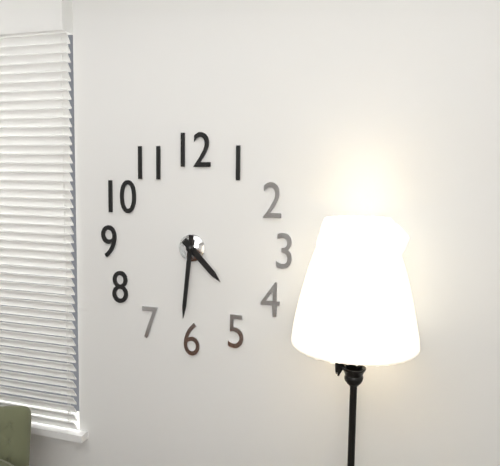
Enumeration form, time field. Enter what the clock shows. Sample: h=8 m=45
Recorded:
h=4 m=31
